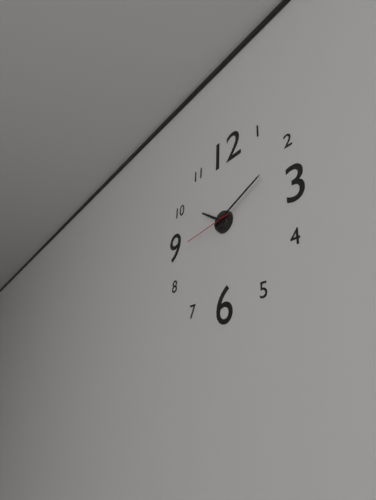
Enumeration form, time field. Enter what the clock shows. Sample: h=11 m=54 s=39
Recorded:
h=10 m=11 s=44
